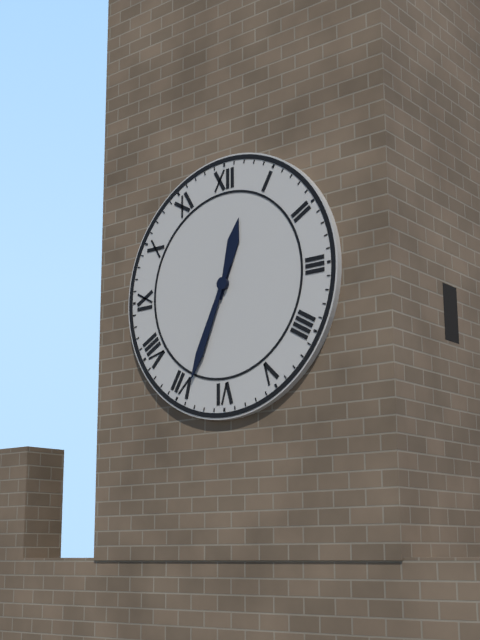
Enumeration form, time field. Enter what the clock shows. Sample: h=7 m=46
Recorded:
h=12 m=34
